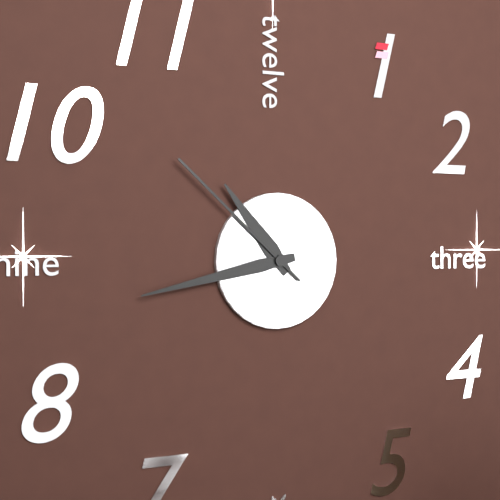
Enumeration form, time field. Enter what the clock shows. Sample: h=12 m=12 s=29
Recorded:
h=10 m=43 s=52
